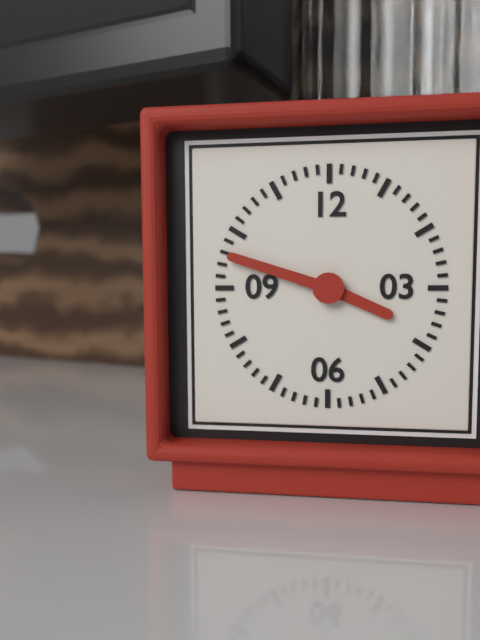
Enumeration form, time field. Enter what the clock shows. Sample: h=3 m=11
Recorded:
h=3 m=48
